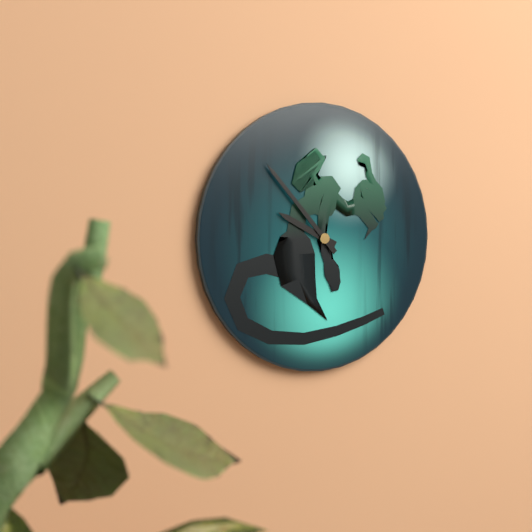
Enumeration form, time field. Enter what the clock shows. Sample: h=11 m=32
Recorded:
h=9 m=53
